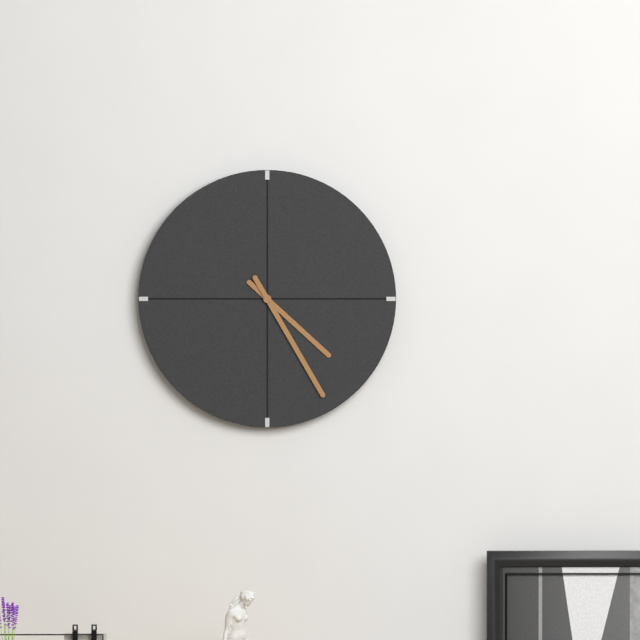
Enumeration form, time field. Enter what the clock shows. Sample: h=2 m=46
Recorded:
h=4 m=25
